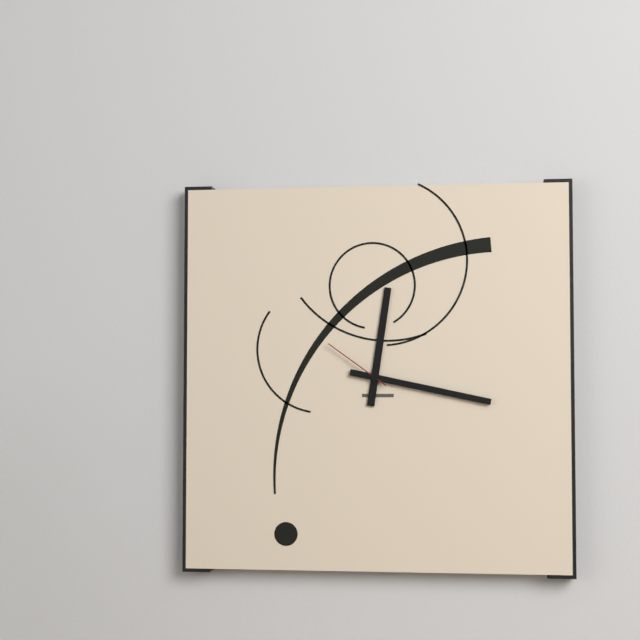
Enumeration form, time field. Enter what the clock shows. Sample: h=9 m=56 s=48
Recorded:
h=12 m=17 s=51
